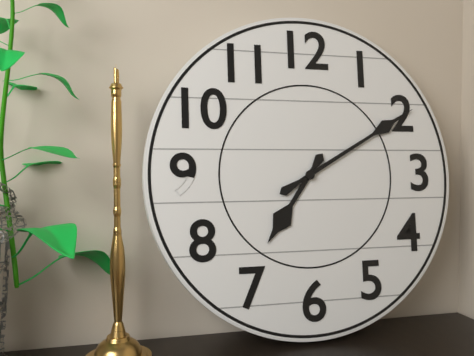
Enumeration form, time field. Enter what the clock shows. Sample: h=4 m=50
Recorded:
h=7 m=10
